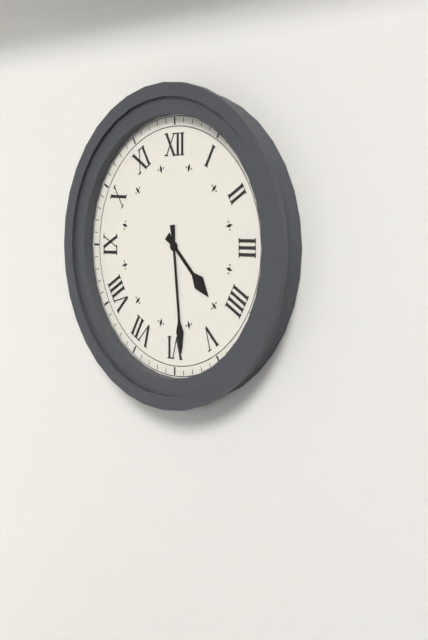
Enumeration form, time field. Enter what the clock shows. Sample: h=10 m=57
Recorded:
h=4 m=29
